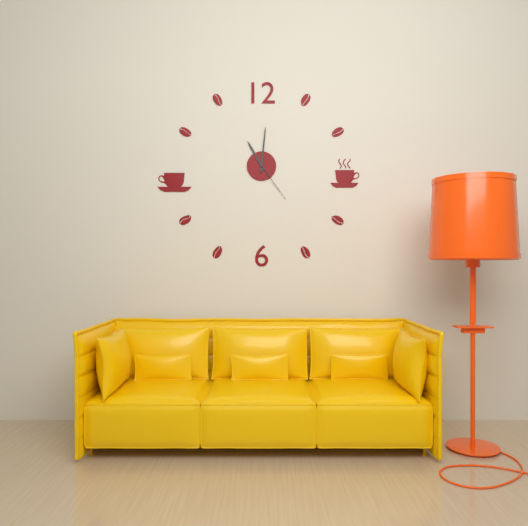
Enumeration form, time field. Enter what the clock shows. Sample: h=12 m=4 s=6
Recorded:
h=11 m=1 s=24
